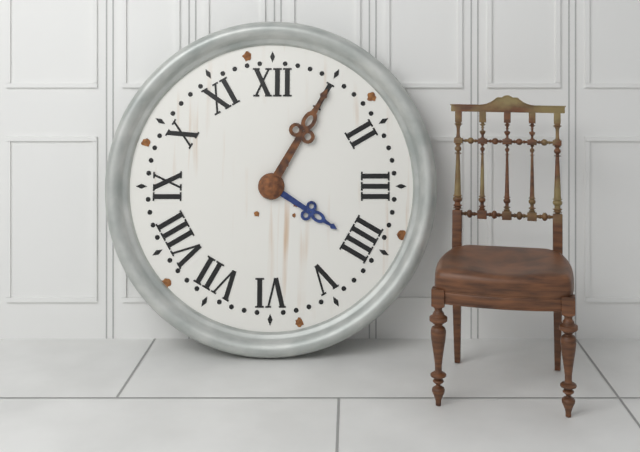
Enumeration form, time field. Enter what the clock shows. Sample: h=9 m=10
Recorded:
h=4 m=5
